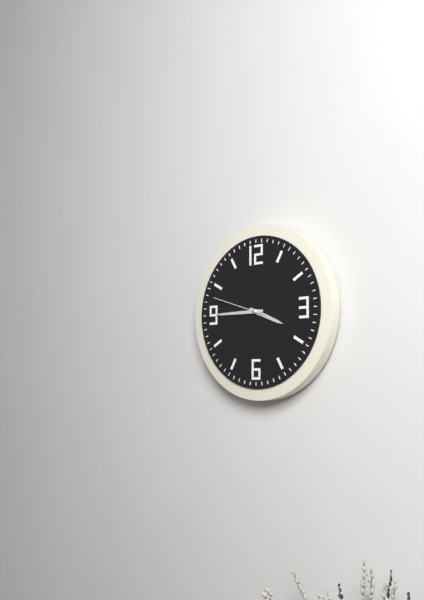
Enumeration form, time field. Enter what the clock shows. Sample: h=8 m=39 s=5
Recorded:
h=3 m=45 s=48
